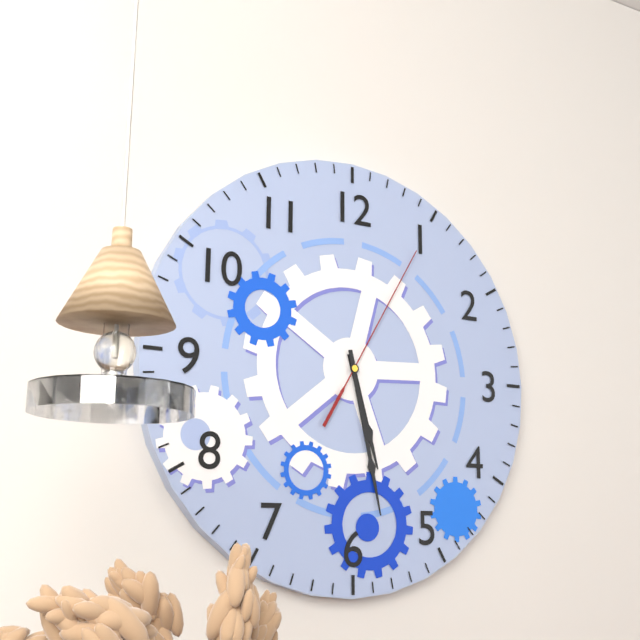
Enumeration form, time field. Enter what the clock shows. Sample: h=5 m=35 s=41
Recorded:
h=5 m=28 s=5
